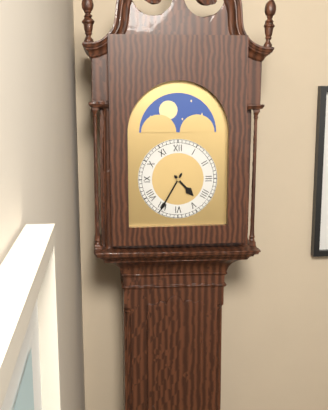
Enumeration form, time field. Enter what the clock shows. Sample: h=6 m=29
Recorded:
h=4 m=35
